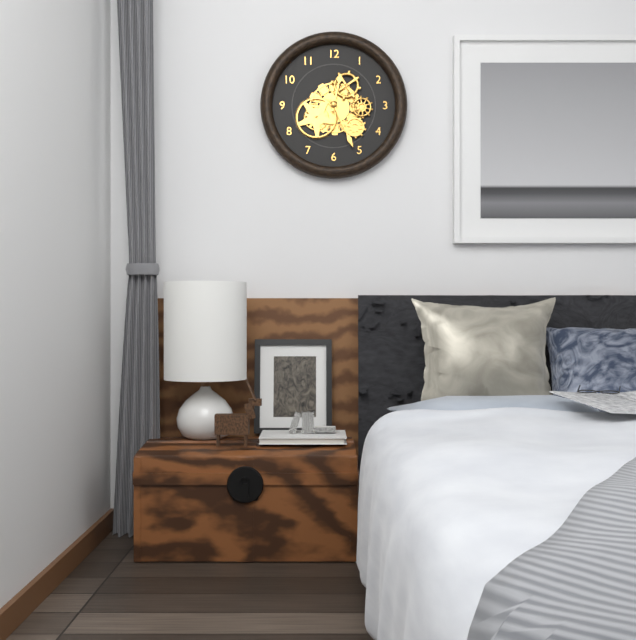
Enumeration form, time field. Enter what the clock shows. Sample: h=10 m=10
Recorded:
h=12 m=26
